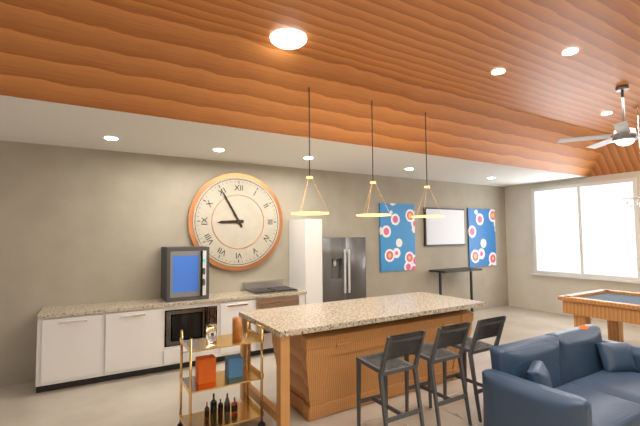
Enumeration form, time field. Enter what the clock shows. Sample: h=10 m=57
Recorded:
h=8 m=55
